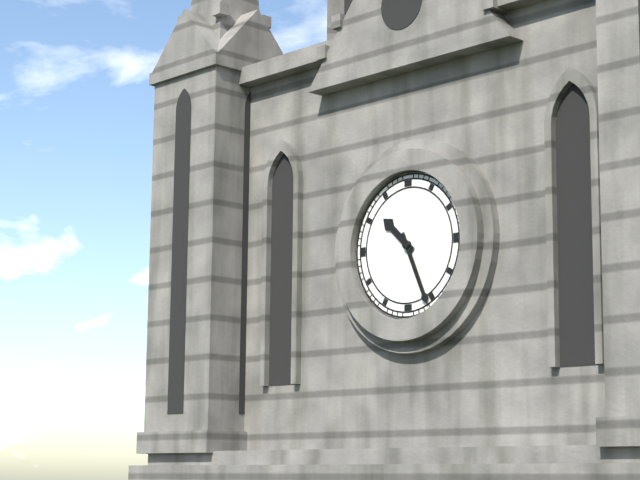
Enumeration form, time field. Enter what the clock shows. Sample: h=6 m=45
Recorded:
h=10 m=26
